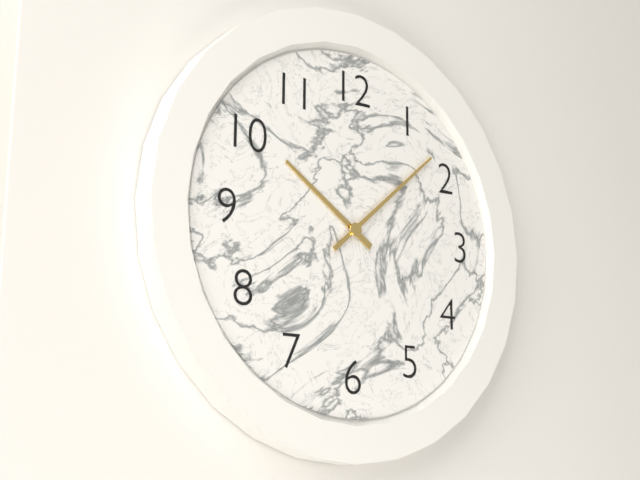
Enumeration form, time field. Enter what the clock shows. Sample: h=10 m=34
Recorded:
h=10 m=8
